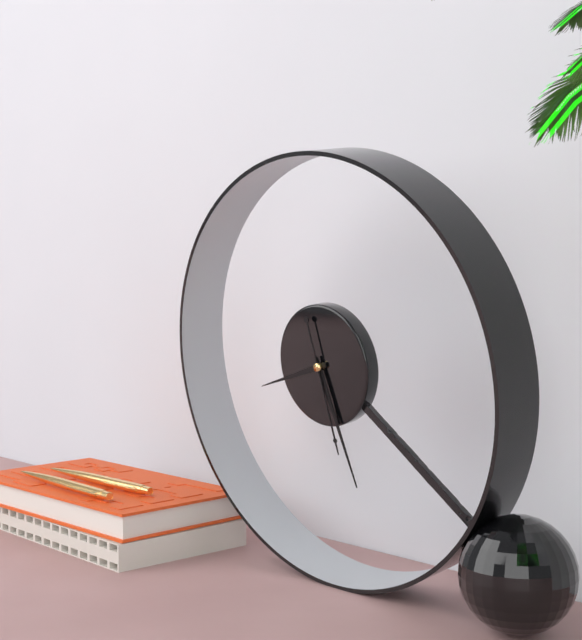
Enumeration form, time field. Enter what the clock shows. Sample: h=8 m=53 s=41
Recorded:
h=8 m=27 s=28
